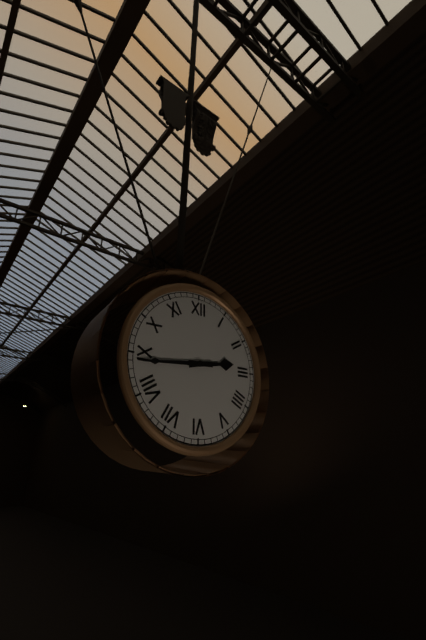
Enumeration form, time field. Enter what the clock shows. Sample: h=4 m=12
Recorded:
h=2 m=44
